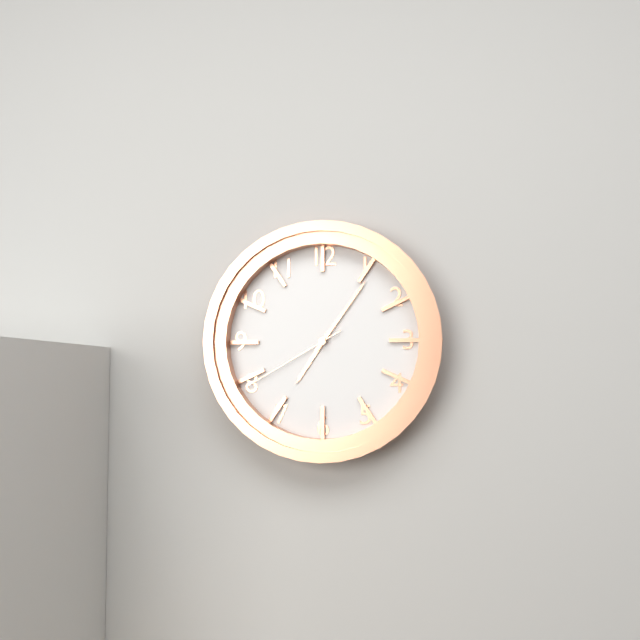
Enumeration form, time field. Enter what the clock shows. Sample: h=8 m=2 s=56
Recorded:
h=7 m=6 s=40
